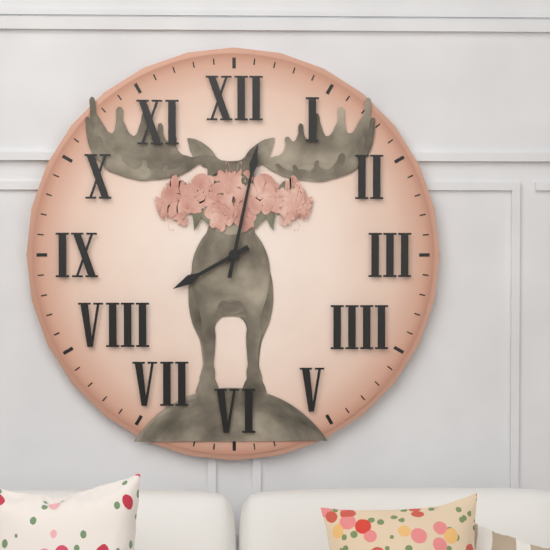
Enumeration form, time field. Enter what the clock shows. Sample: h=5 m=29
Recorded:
h=8 m=2
